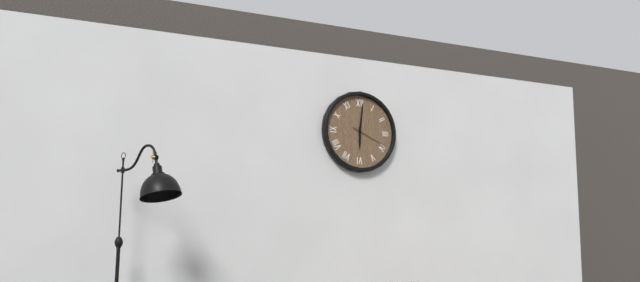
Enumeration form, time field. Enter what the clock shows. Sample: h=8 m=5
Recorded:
h=6 m=1
